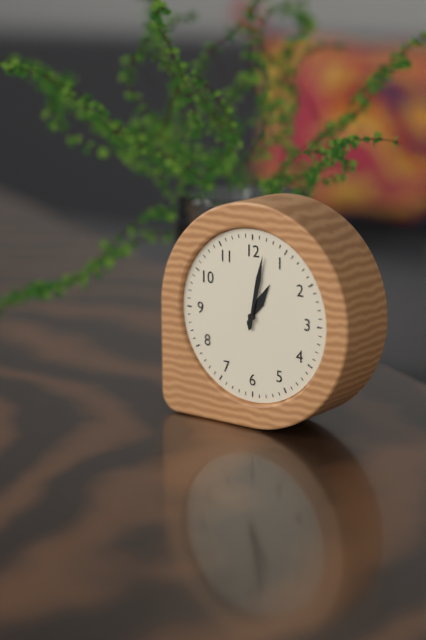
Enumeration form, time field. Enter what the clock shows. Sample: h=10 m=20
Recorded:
h=1 m=2
